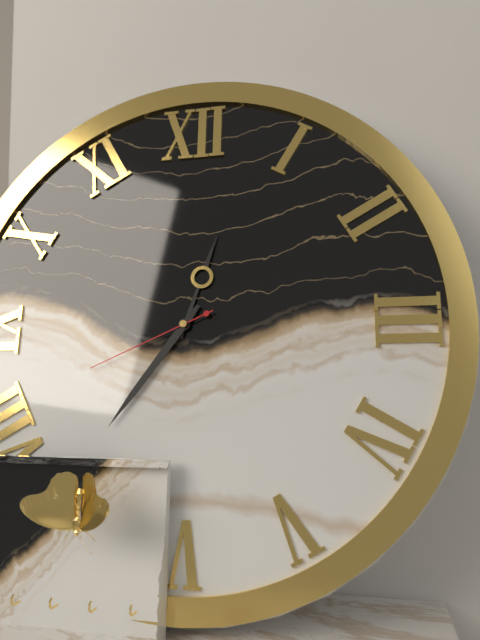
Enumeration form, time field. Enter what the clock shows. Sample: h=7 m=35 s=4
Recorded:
h=12 m=36 s=41
